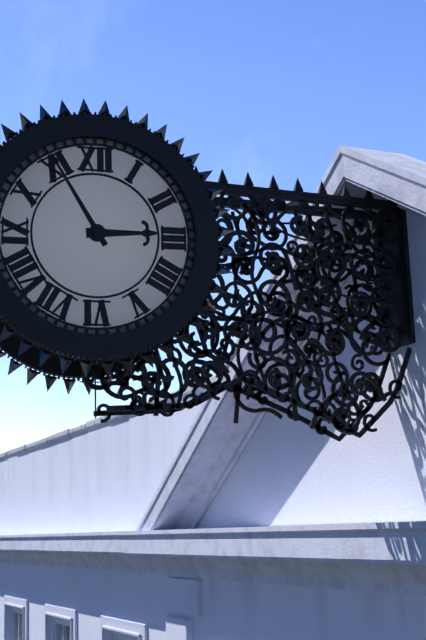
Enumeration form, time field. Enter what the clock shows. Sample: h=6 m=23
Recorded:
h=2 m=55
